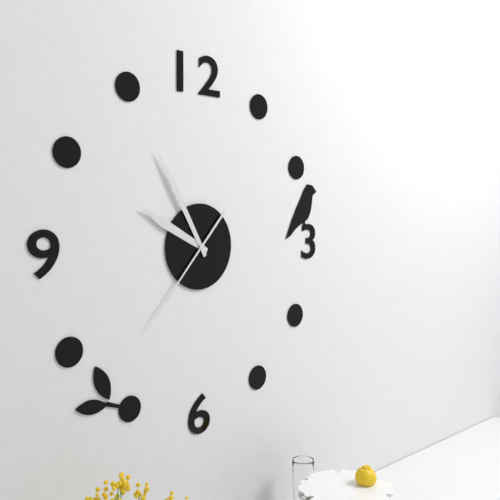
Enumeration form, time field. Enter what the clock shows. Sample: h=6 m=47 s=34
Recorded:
h=9 m=55 s=37
